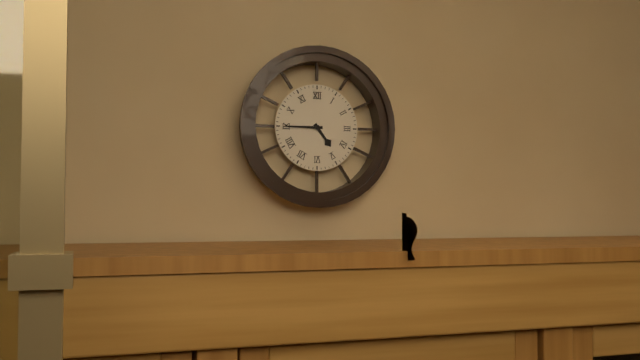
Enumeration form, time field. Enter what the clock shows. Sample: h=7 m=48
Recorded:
h=4 m=45
